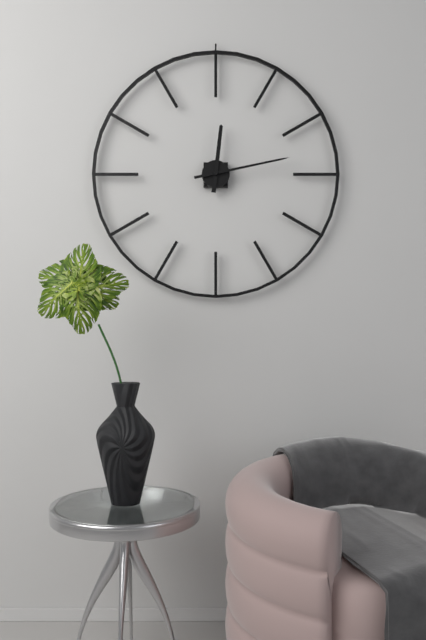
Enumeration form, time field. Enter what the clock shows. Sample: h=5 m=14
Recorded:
h=12 m=13
